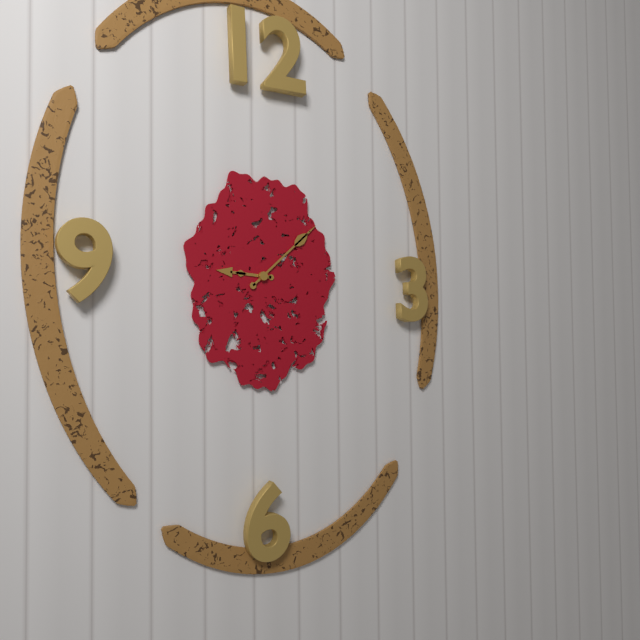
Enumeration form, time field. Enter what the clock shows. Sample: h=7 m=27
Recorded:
h=9 m=8
